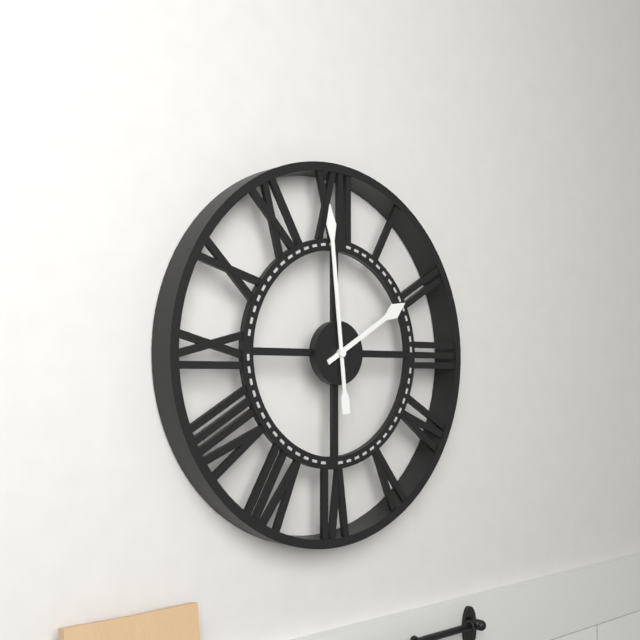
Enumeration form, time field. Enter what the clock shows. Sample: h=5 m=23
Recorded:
h=1 m=59
